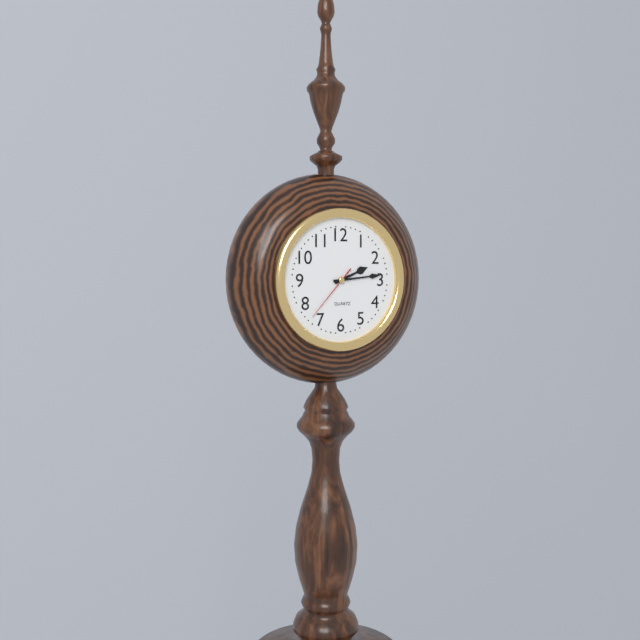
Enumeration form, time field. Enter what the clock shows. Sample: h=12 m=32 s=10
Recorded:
h=2 m=14 s=37
